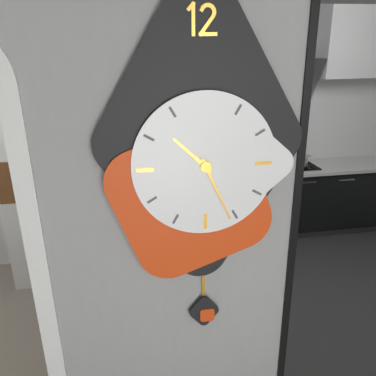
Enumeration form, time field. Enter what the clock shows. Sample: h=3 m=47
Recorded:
h=10 m=26
